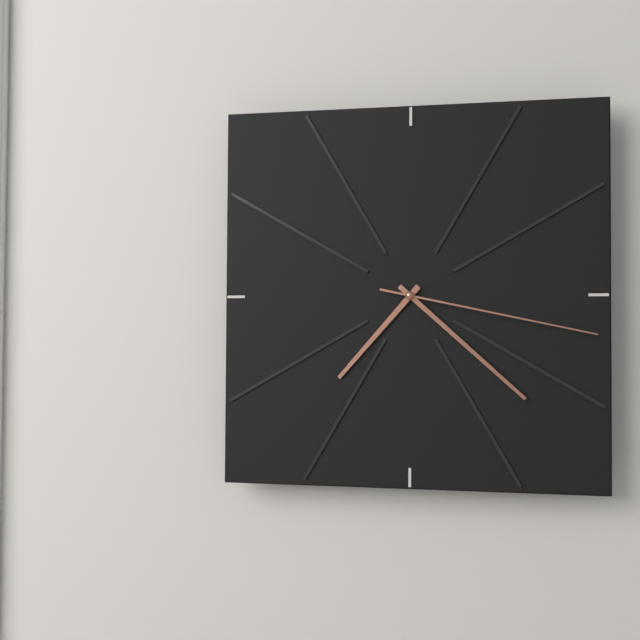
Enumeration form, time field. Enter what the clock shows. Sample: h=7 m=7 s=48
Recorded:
h=7 m=22 s=17
